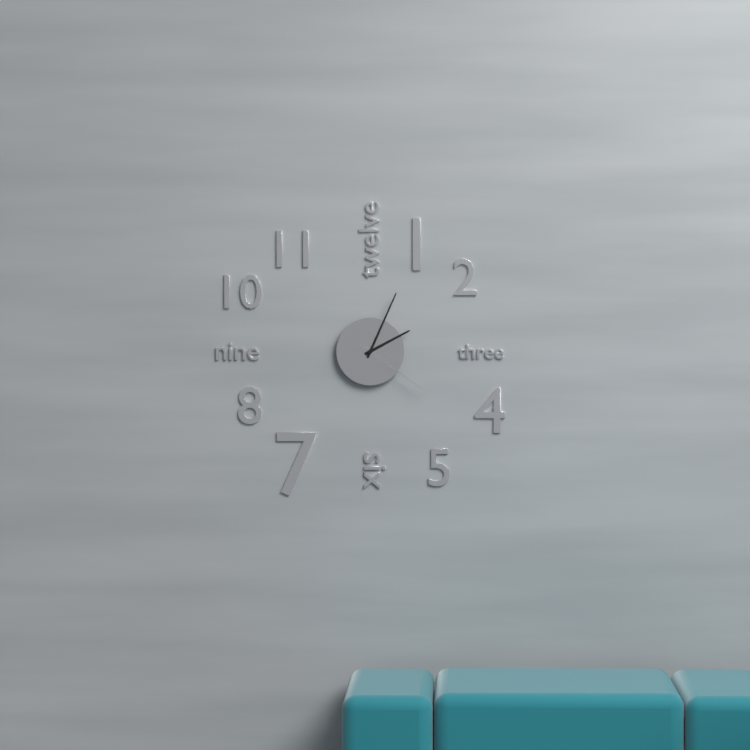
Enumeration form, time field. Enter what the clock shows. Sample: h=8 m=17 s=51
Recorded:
h=2 m=4 s=21
